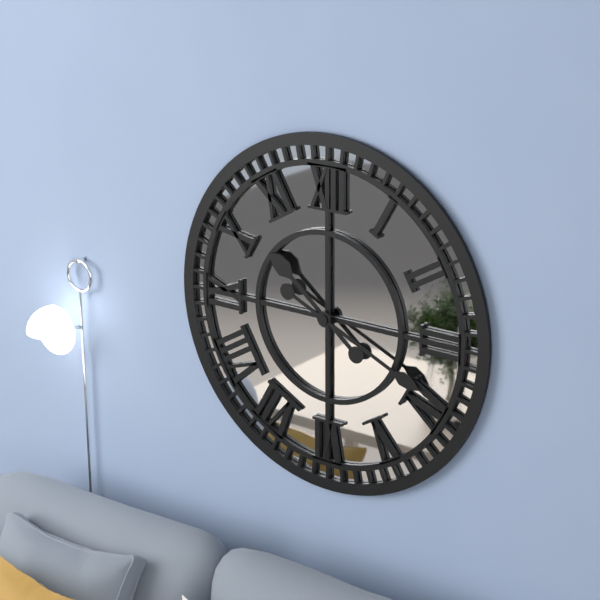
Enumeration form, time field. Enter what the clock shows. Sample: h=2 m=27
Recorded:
h=10 m=19
